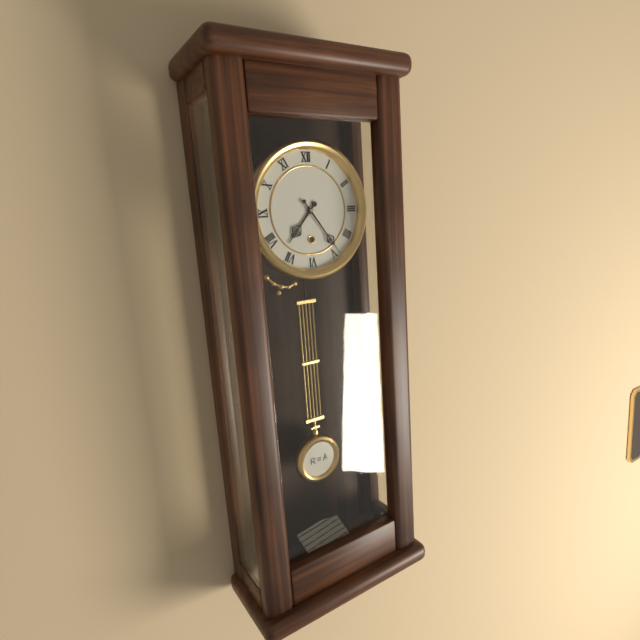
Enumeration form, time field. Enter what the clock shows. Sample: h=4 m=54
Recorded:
h=7 m=24
